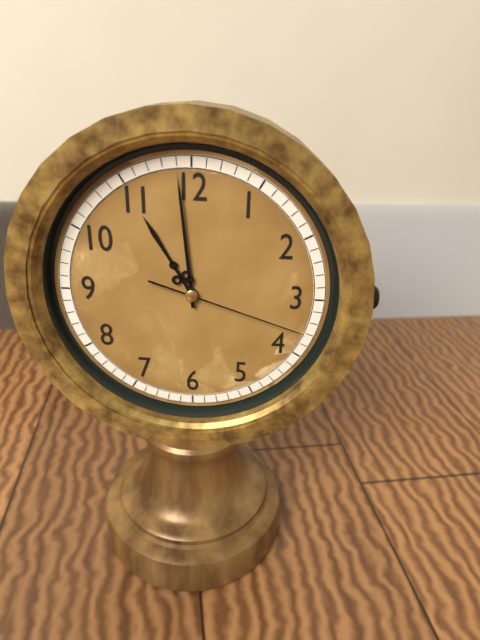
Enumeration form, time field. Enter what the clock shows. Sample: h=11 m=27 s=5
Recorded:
h=10 m=59 s=18
